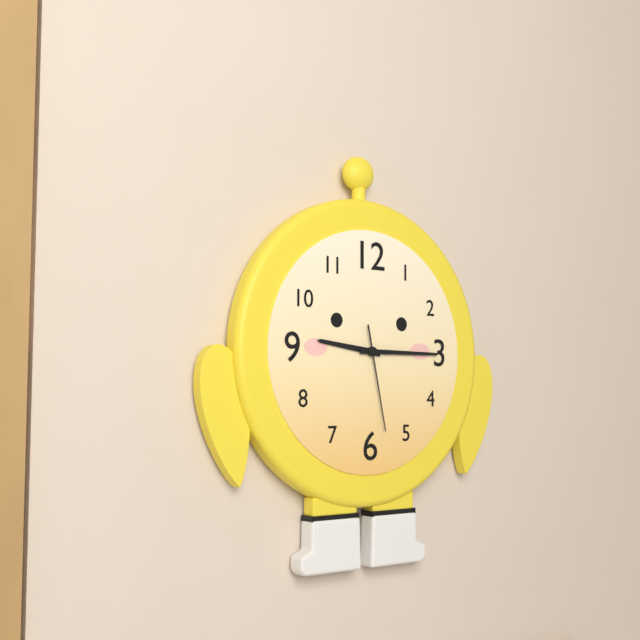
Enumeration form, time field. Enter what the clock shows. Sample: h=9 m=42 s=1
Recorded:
h=9 m=15 s=28
